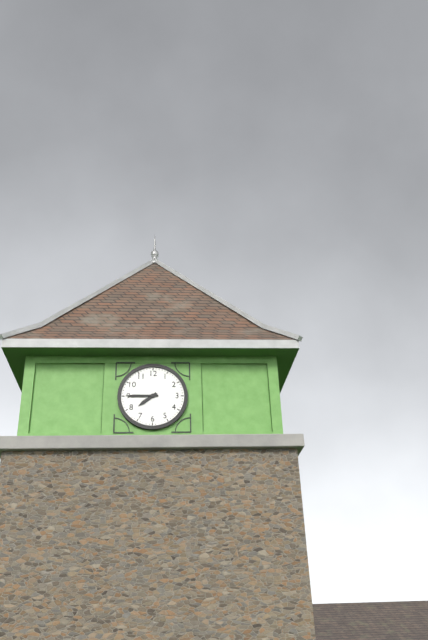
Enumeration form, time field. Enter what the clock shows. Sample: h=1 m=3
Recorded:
h=7 m=45
